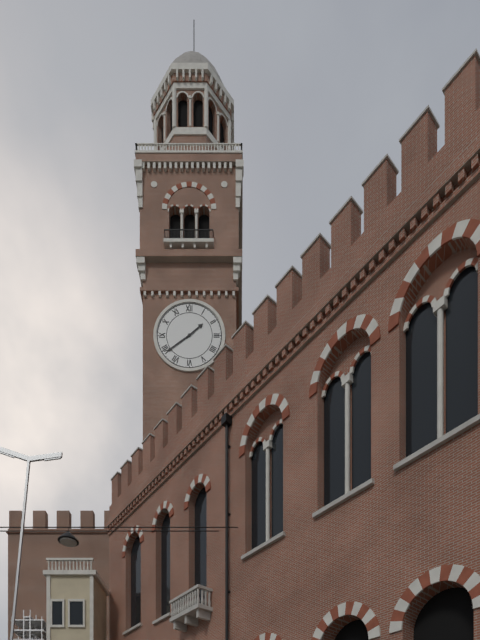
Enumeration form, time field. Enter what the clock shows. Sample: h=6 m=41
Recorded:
h=1 m=39
